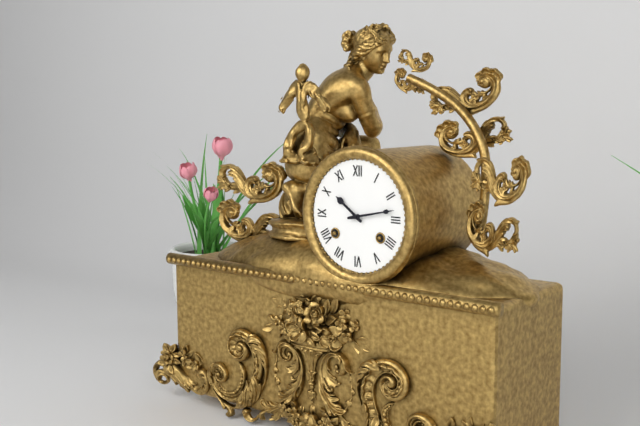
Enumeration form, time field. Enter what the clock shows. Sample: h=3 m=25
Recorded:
h=10 m=13
